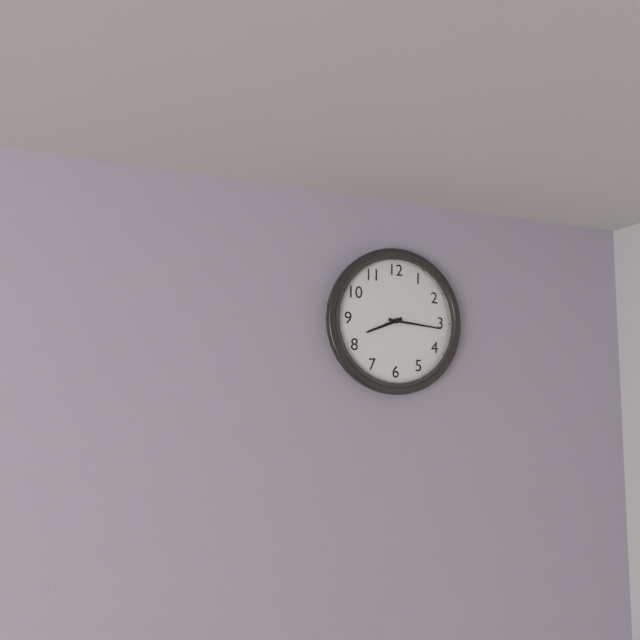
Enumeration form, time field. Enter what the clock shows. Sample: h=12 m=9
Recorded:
h=8 m=16
